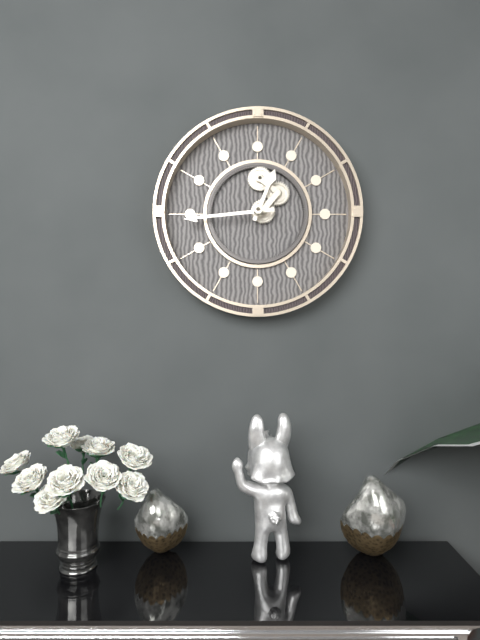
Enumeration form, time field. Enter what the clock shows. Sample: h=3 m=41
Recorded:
h=12 m=44
